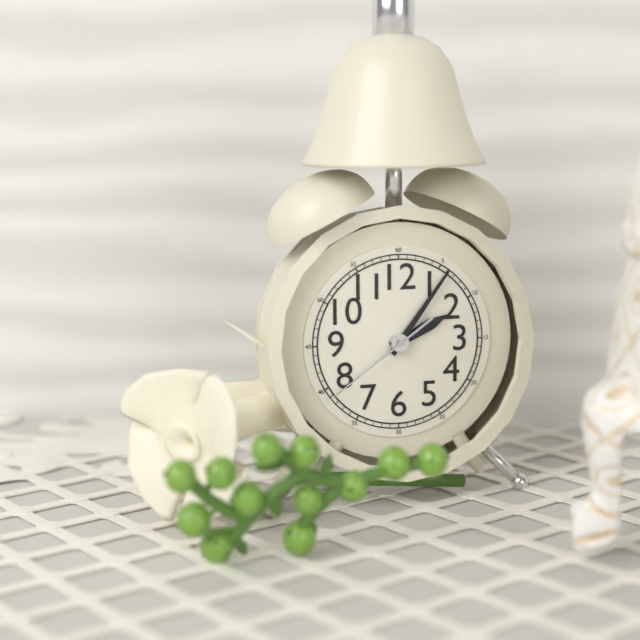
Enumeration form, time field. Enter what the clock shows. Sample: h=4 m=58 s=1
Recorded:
h=2 m=6 s=39
